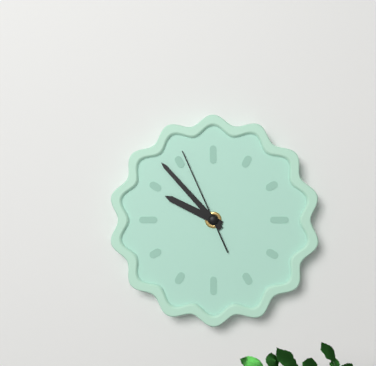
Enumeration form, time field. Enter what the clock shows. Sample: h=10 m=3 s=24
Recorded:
h=9 m=53 s=56
